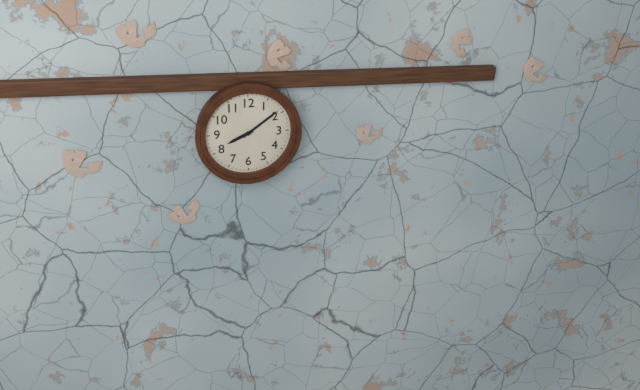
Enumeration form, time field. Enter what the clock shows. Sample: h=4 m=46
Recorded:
h=8 m=9
